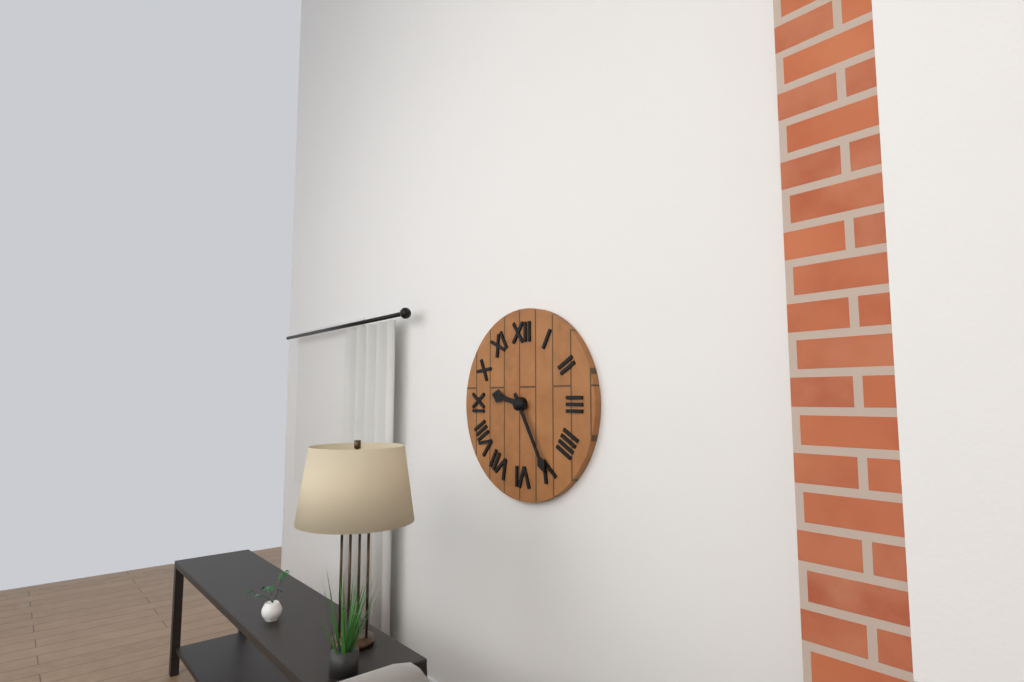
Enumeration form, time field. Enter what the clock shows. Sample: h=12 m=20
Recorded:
h=9 m=25
